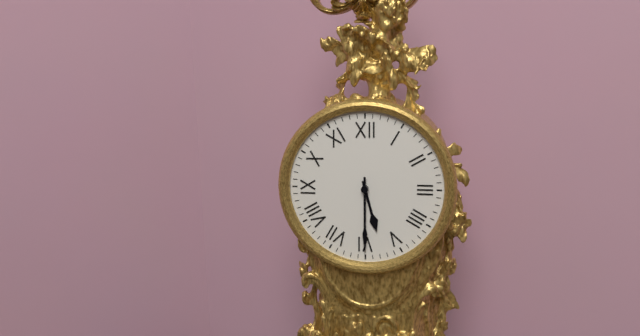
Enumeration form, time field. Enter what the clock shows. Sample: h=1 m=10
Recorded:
h=5 m=30
